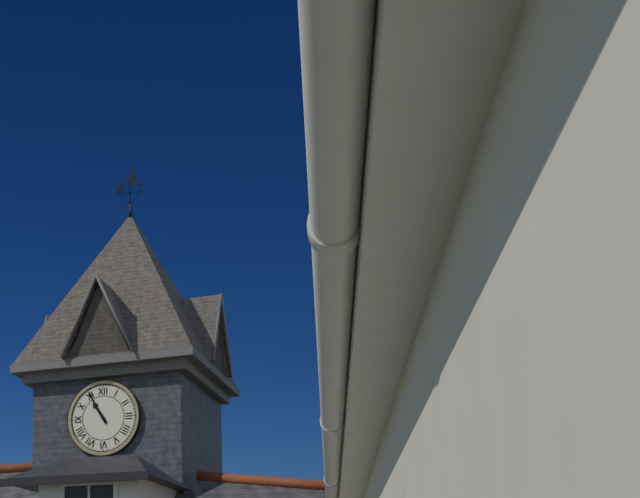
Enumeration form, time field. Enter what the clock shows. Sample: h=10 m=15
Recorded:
h=10 m=55
